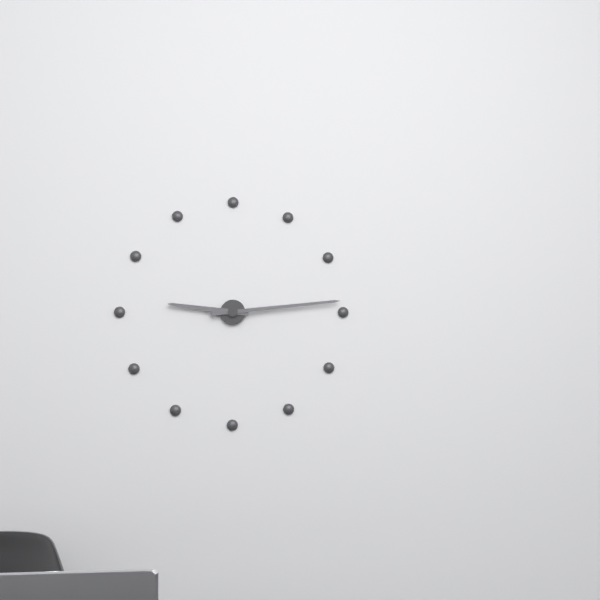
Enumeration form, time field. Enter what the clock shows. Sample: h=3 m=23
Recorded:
h=9 m=14
